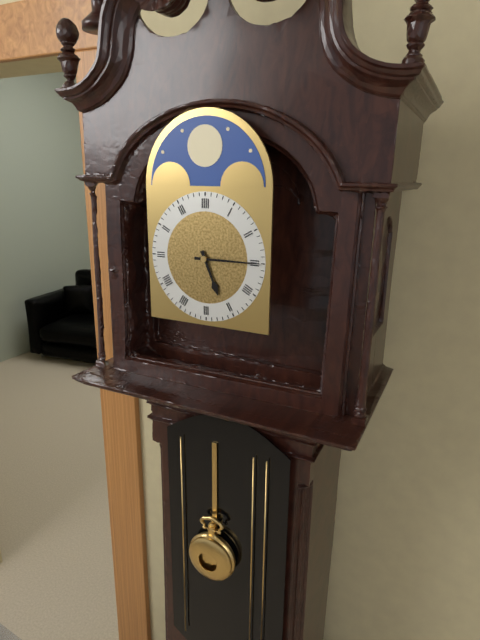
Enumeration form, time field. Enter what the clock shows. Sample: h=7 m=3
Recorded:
h=5 m=15
